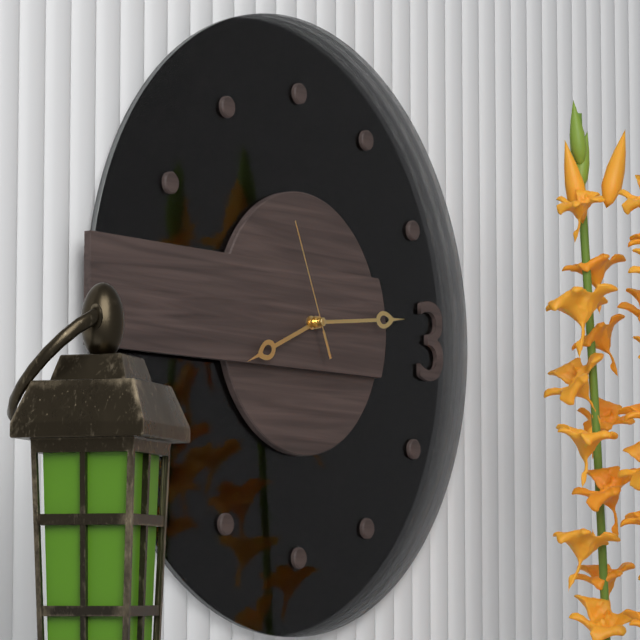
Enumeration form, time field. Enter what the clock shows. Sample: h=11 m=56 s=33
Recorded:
h=8 m=14 s=56
